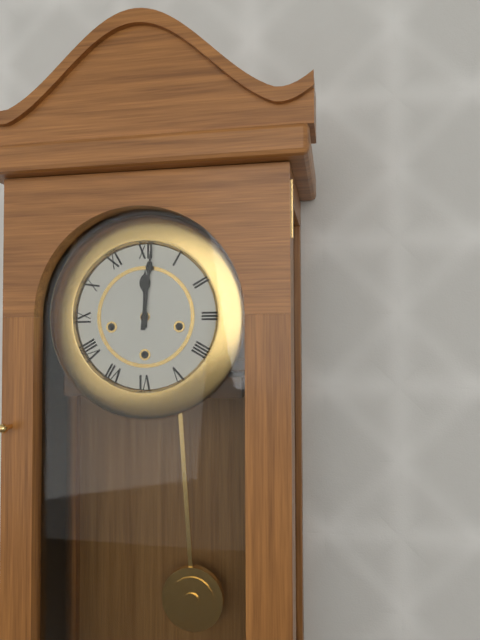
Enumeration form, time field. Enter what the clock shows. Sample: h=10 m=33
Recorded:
h=12 m=1
